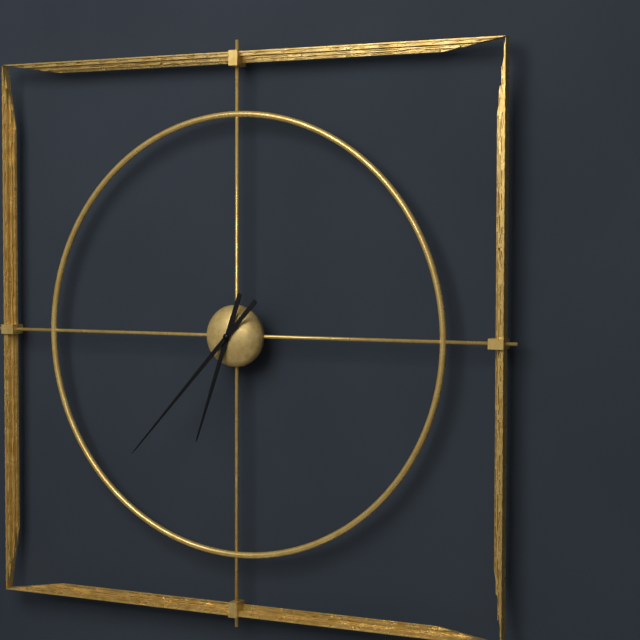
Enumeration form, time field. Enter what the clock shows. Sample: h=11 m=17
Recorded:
h=6 m=37
